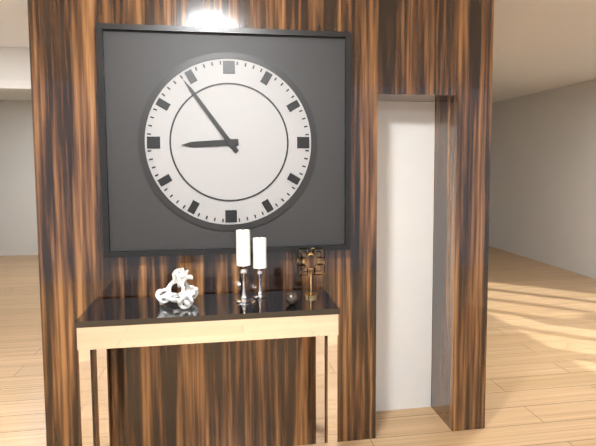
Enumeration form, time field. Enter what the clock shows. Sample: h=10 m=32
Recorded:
h=8 m=54
